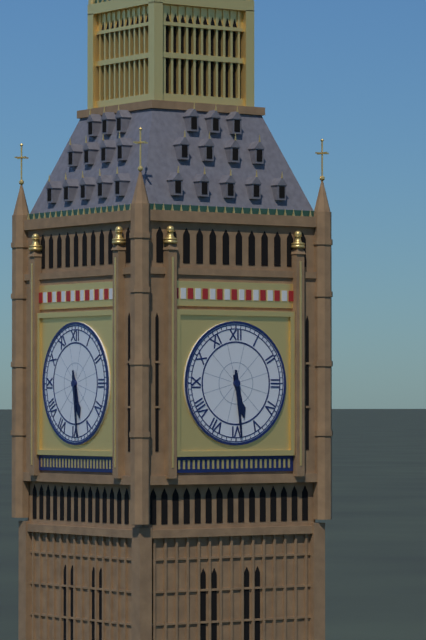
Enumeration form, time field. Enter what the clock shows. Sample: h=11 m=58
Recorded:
h=5 m=29
